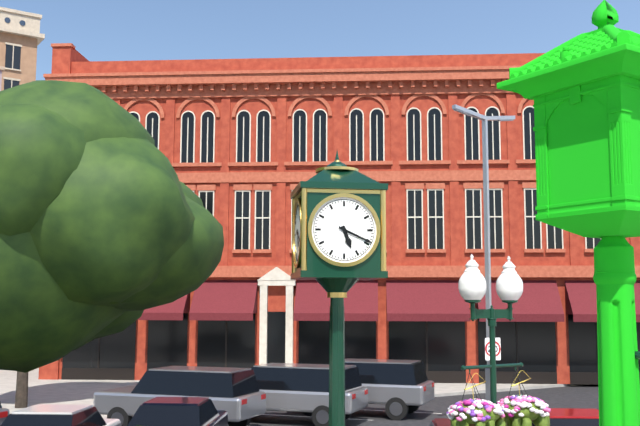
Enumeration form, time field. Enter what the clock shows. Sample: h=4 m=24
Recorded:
h=5 m=19
